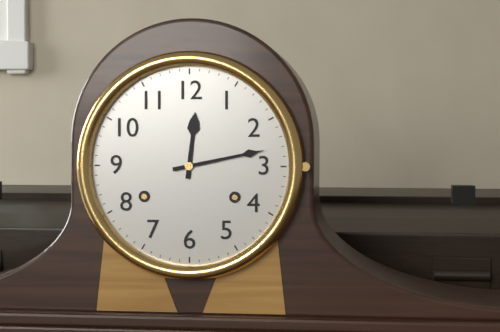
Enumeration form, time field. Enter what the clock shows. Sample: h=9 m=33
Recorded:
h=12 m=13
